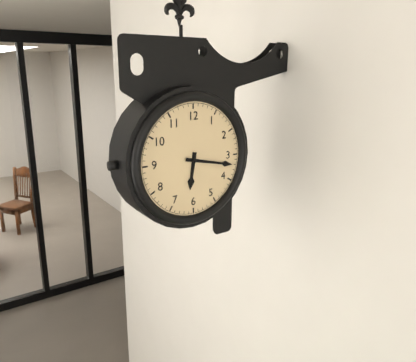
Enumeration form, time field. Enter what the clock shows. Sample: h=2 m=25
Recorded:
h=6 m=17
